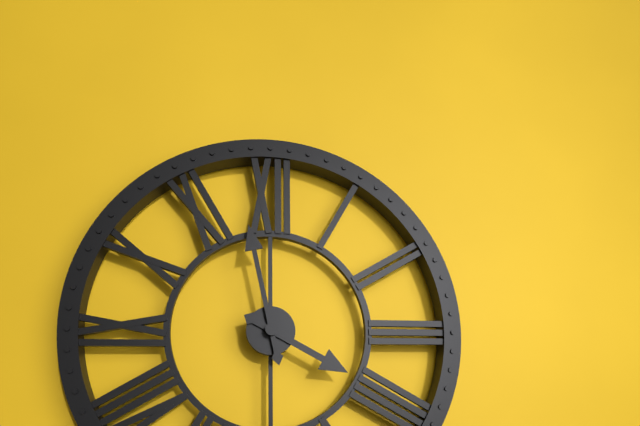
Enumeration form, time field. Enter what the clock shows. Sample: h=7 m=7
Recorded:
h=3 m=58
